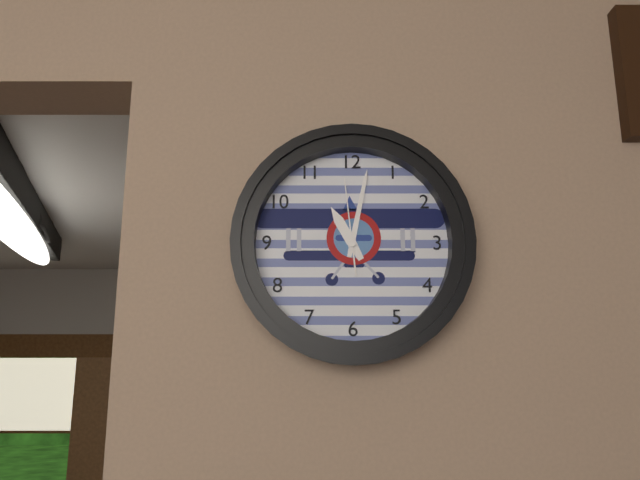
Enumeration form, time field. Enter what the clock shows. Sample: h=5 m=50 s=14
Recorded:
h=11 m=2 s=59
